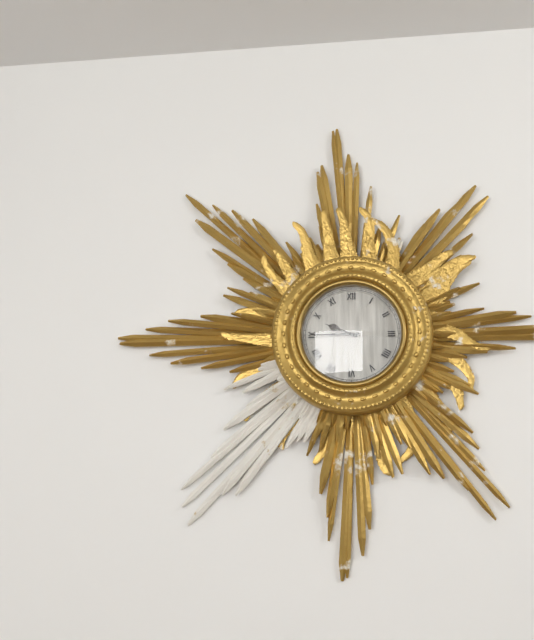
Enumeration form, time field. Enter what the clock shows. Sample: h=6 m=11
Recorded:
h=9 m=45
